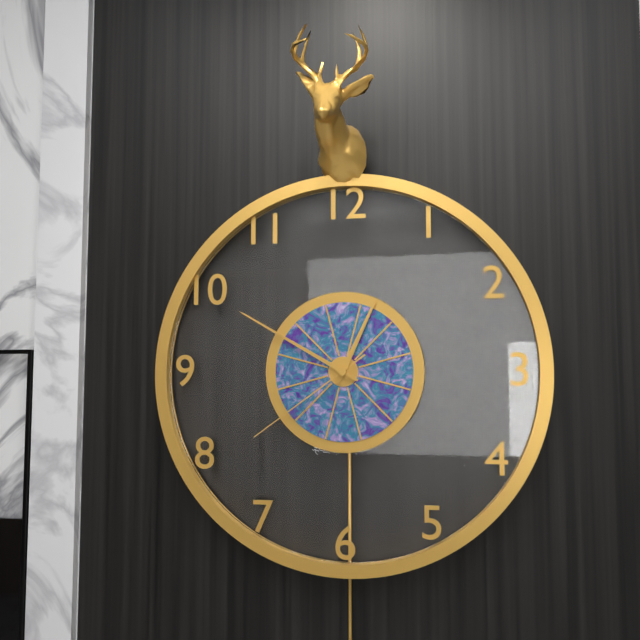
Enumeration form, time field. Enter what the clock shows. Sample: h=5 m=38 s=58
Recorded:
h=12 m=50 s=39
